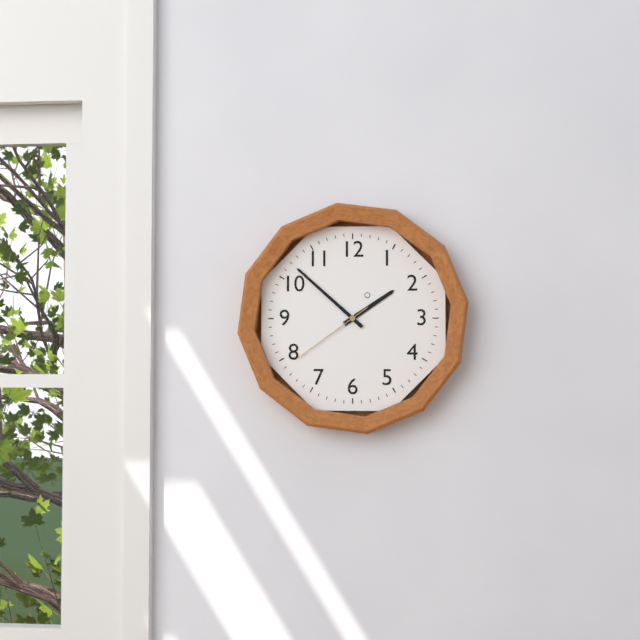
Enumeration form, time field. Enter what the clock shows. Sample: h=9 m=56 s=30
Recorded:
h=1 m=52 s=39
